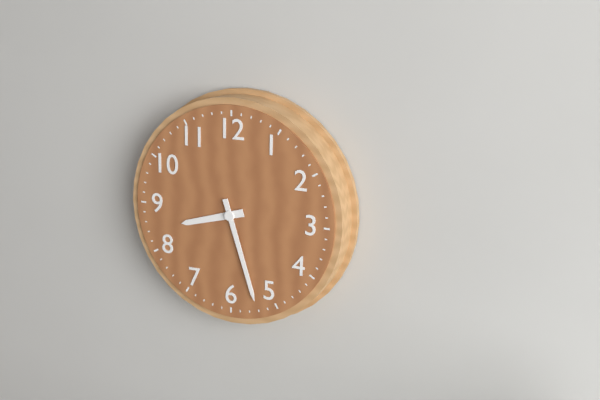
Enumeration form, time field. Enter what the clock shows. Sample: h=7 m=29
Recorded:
h=8 m=27
